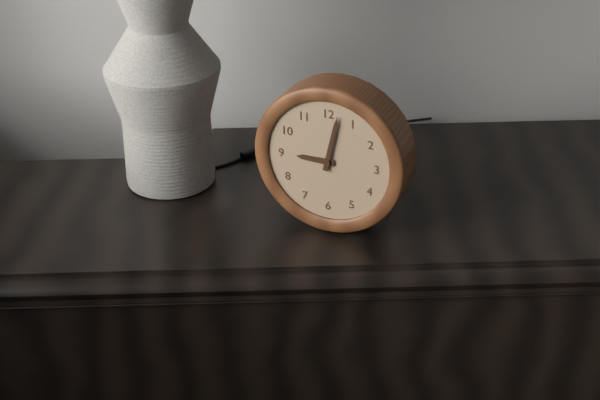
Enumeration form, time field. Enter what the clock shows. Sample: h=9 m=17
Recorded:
h=9 m=2
